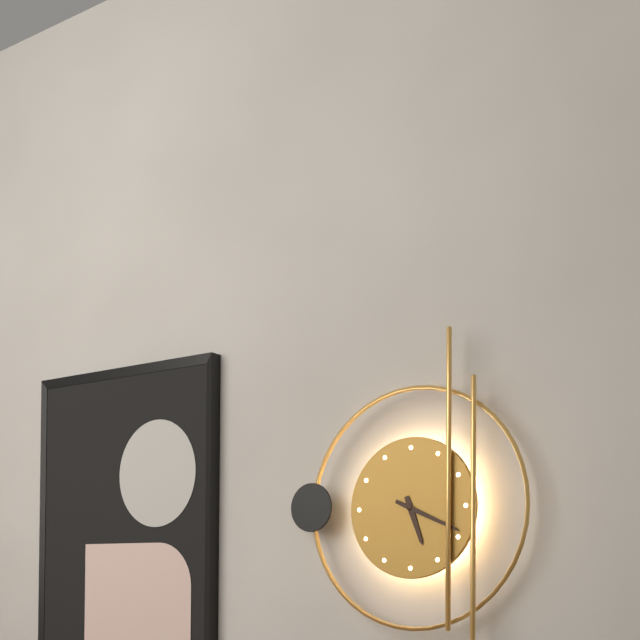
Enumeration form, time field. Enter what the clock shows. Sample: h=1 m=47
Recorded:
h=5 m=19
